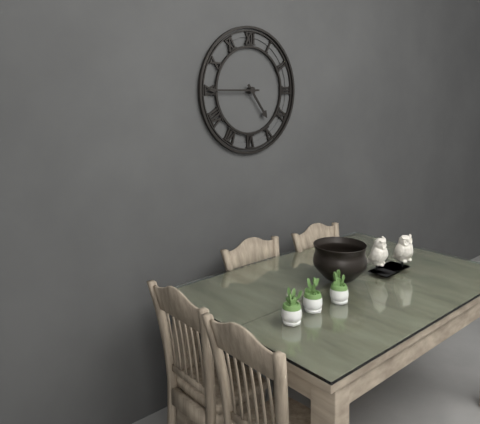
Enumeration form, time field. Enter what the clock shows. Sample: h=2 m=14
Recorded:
h=4 m=45
